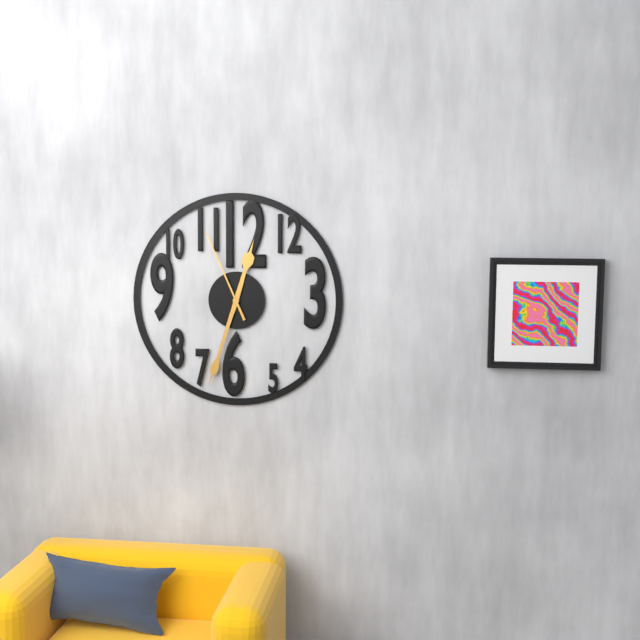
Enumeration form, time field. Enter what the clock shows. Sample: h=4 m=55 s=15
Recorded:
h=12 m=33 s=56
